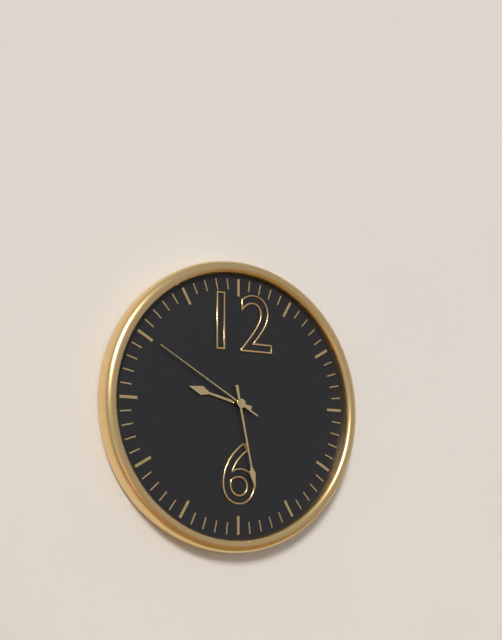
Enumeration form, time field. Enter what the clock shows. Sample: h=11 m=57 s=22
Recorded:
h=9 m=28 s=50
